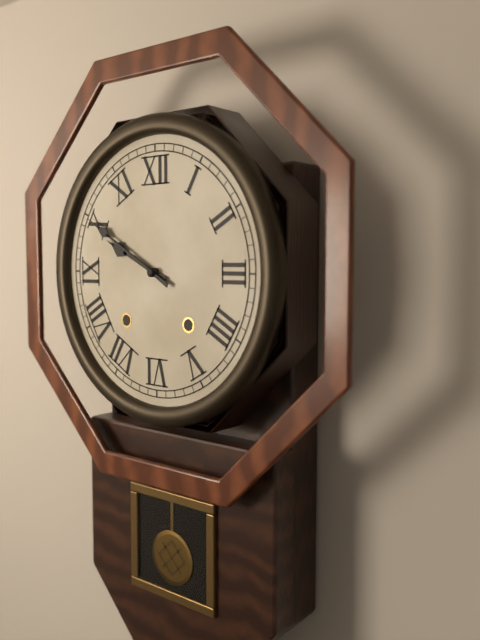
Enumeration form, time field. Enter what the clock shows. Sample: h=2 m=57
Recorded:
h=9 m=50
